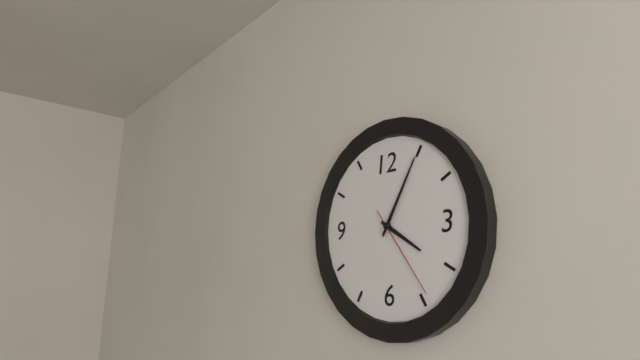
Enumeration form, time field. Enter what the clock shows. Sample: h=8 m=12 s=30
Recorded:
h=4 m=5 s=24
